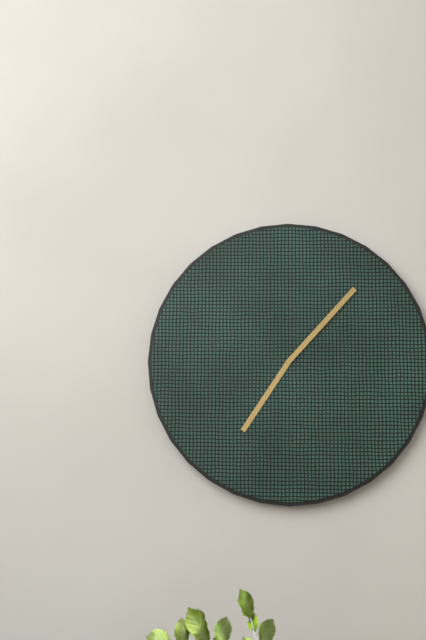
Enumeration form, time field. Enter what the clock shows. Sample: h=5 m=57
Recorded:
h=7 m=7
